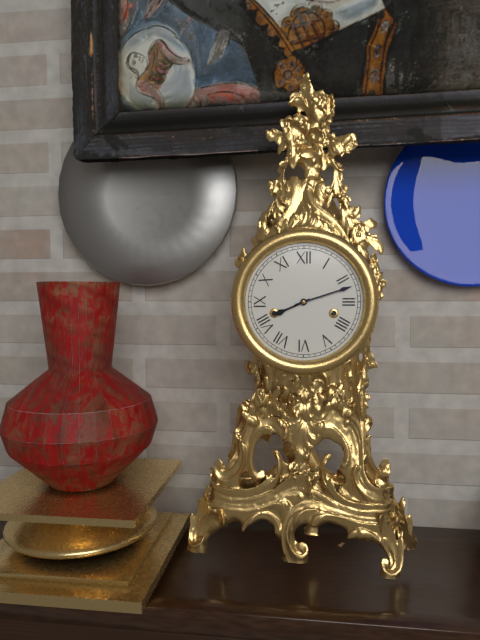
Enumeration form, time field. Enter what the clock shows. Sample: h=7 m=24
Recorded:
h=8 m=12
